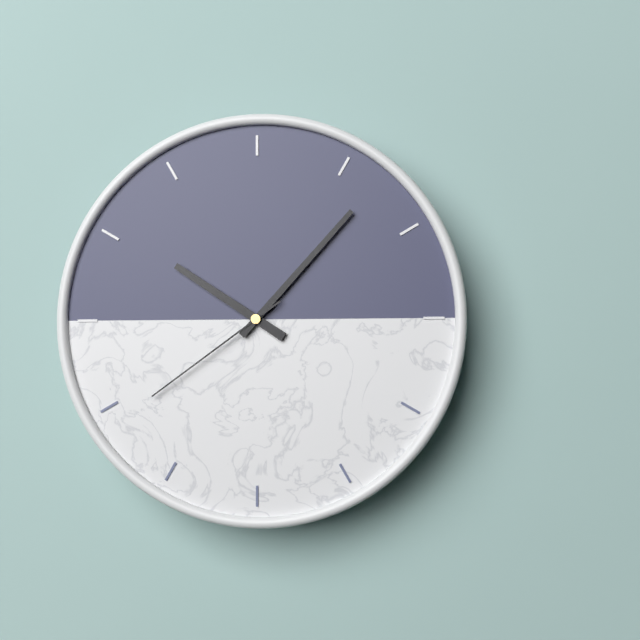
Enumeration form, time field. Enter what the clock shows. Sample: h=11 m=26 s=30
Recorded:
h=10 m=7 s=39
